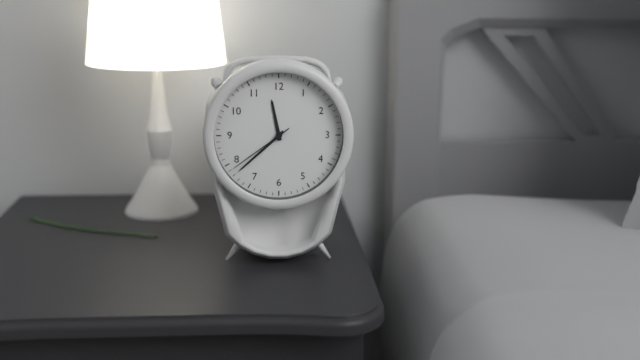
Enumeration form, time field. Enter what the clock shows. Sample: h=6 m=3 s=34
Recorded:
h=11 m=38 s=39
